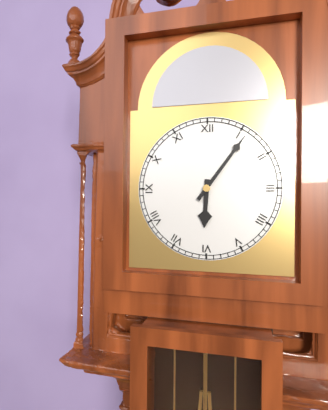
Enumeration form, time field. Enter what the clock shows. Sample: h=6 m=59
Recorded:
h=6 m=6
